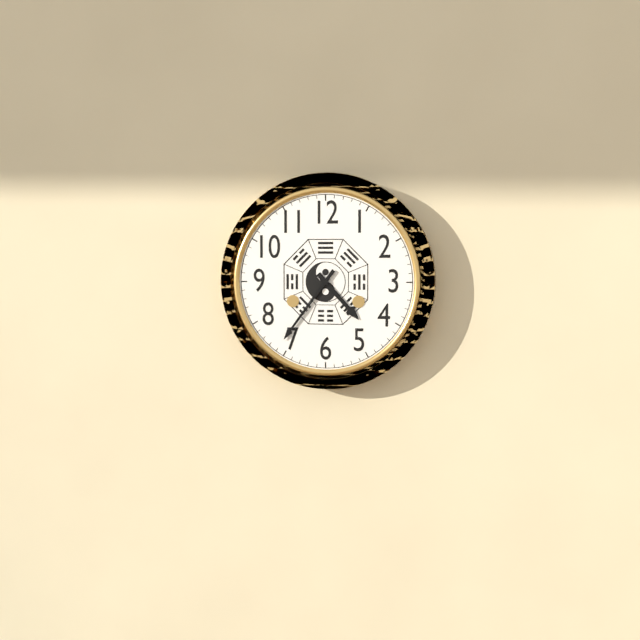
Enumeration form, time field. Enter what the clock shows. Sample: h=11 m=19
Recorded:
h=4 m=36
